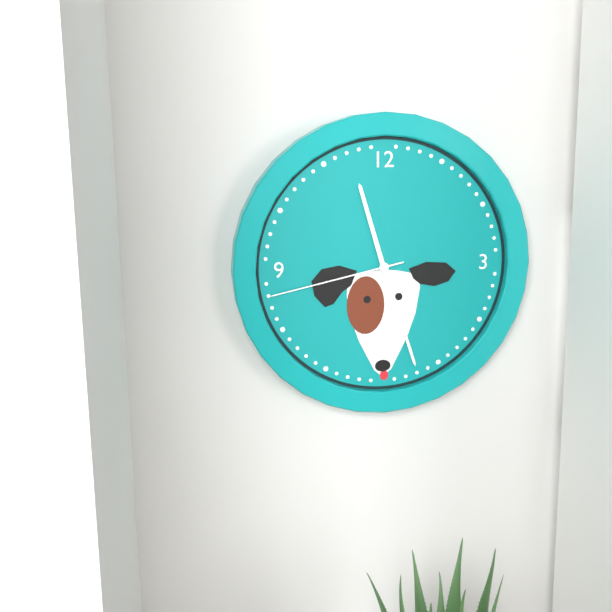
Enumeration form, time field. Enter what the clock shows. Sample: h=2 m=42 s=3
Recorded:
h=11 m=27 s=43
